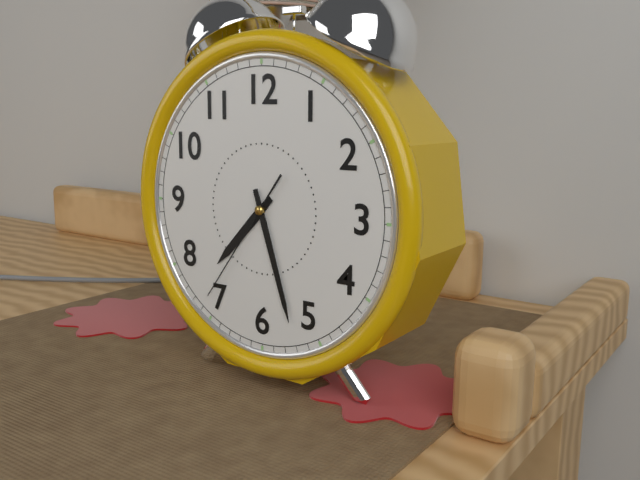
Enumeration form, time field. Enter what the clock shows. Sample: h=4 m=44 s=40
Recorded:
h=7 m=27 s=36
